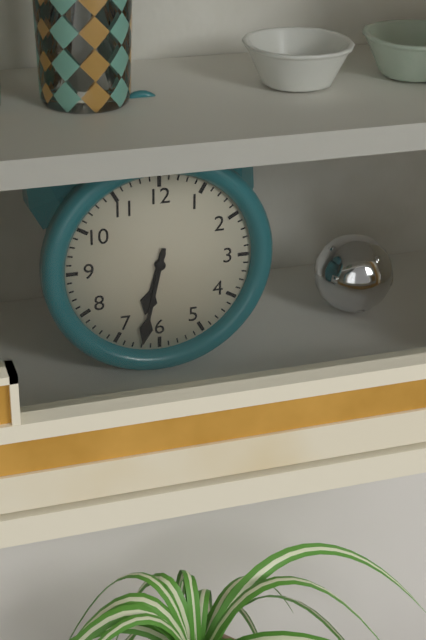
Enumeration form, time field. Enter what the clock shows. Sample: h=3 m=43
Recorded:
h=6 m=32
